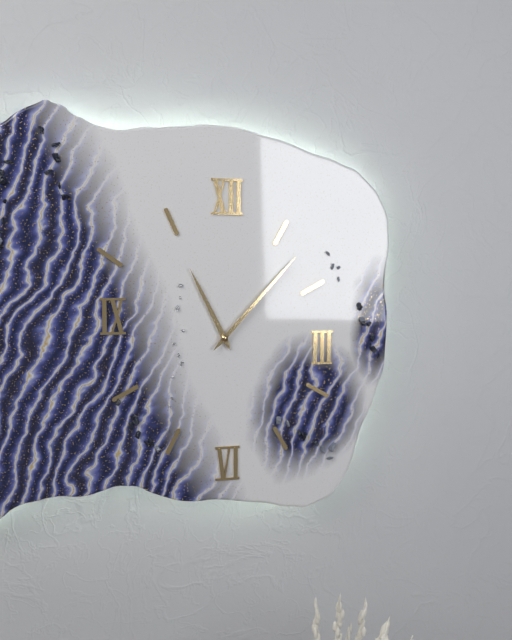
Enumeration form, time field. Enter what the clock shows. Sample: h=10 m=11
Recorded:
h=11 m=7
